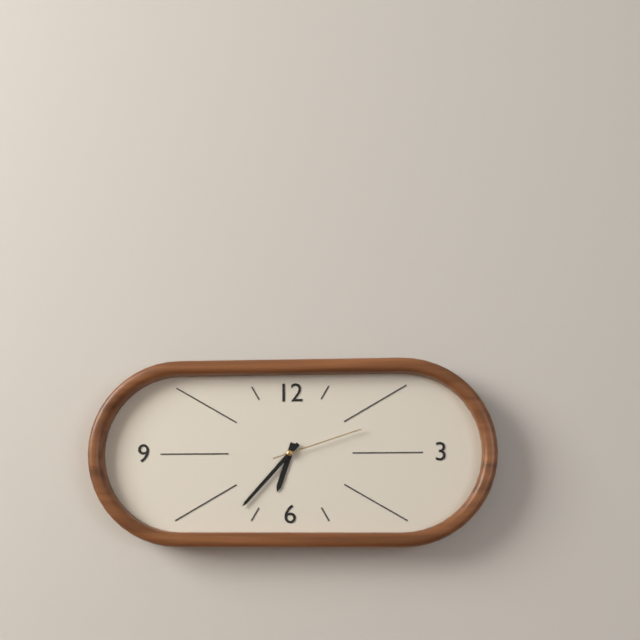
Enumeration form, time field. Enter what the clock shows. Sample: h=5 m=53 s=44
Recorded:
h=6 m=37 s=12
